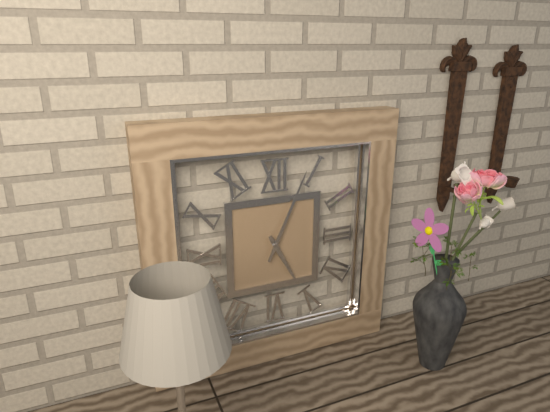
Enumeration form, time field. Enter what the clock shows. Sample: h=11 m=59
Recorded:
h=5 m=4
